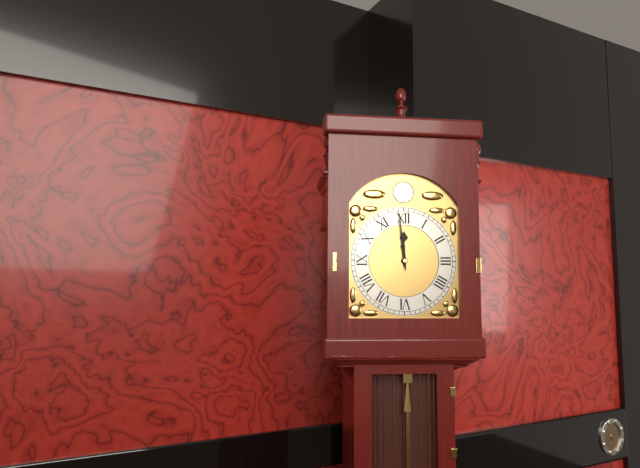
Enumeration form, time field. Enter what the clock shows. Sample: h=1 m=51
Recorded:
h=11 m=59
